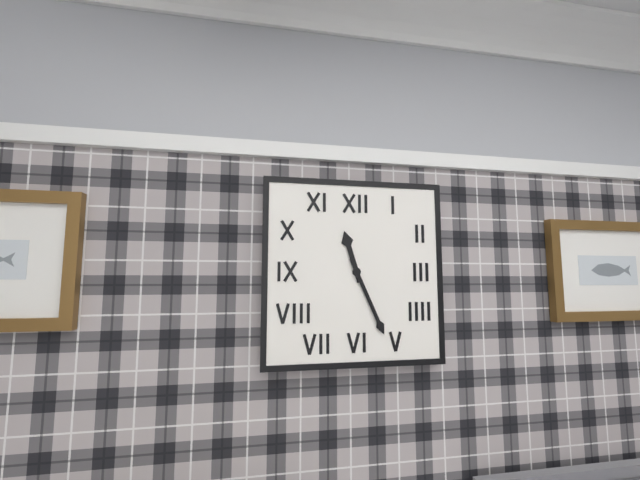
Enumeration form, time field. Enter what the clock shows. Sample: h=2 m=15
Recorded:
h=11 m=26
